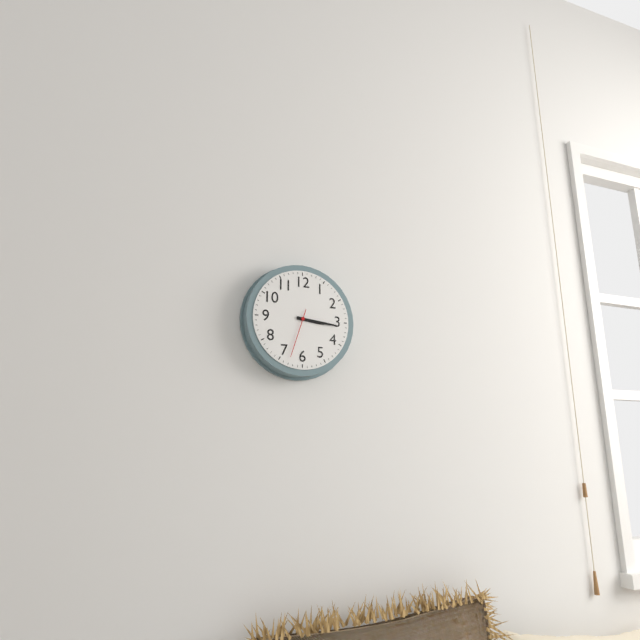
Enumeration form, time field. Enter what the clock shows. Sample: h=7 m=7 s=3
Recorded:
h=3 m=16 s=33
